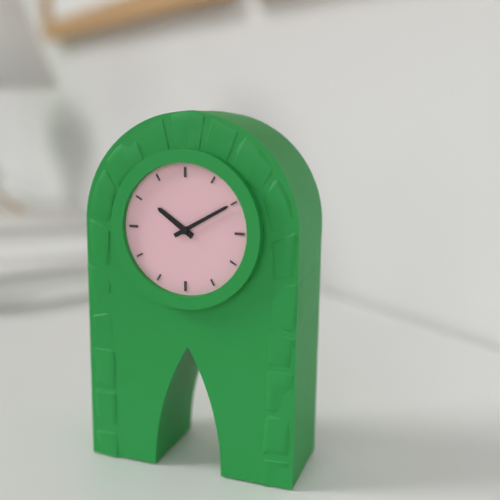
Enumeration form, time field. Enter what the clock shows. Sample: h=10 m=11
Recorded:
h=10 m=10
